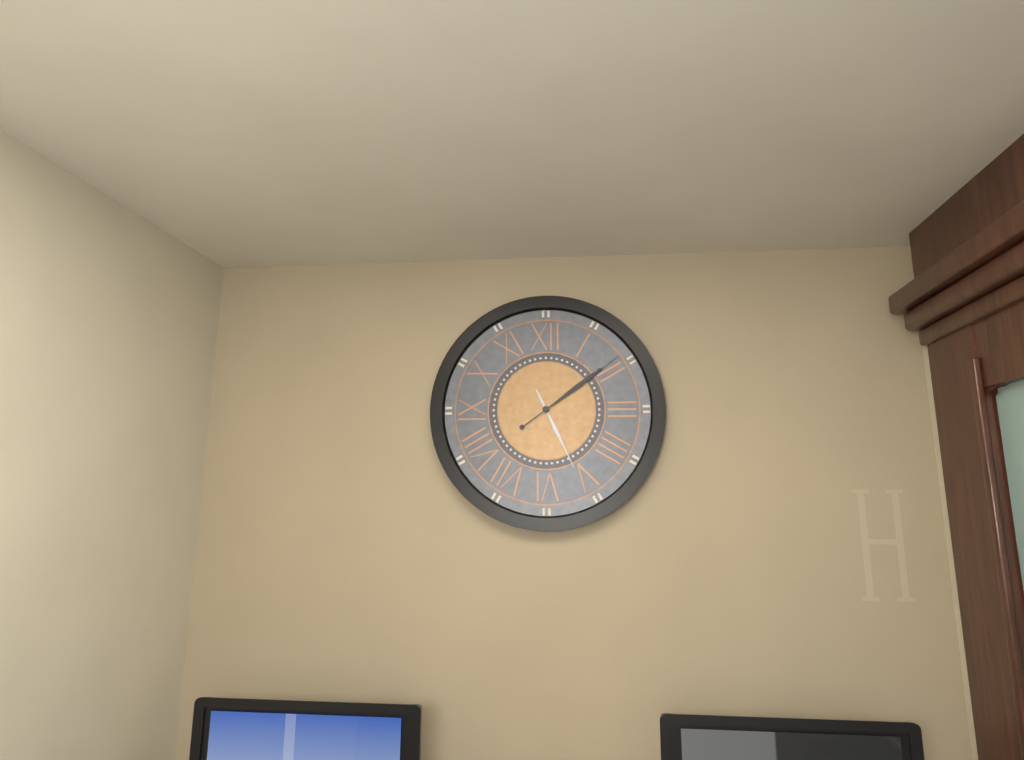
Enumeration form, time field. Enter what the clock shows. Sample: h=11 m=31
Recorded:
h=5 m=9
